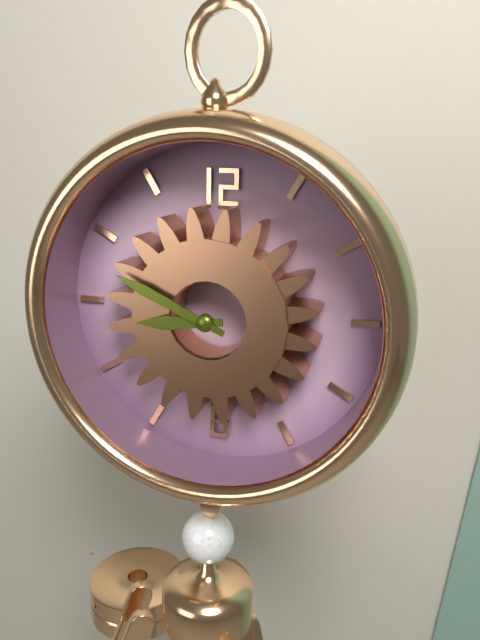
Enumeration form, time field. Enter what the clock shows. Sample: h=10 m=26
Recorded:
h=8 m=49
